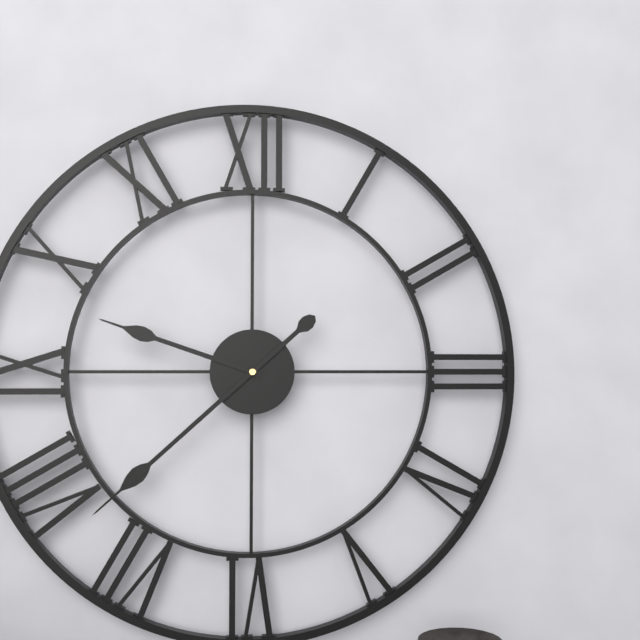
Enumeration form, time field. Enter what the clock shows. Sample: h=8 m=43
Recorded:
h=9 m=38
